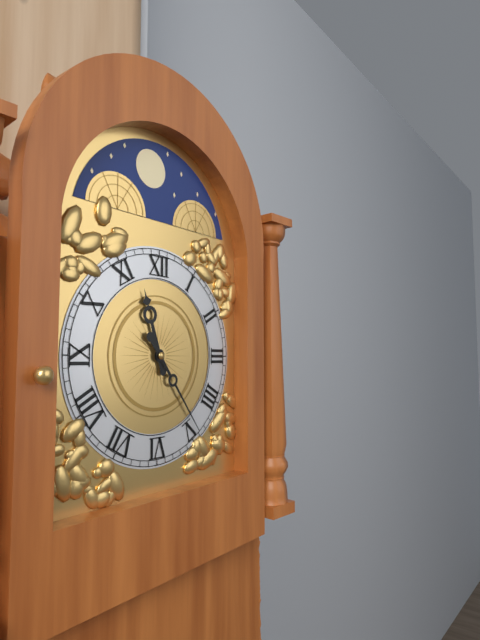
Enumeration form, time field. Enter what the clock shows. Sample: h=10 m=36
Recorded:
h=11 m=24
